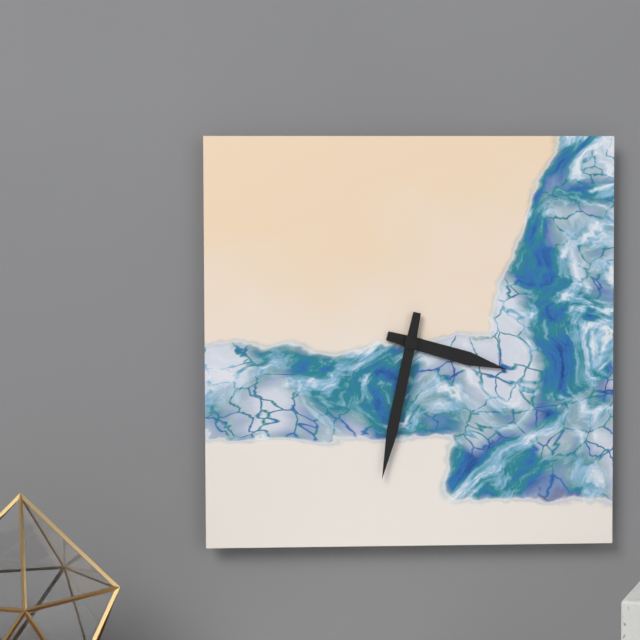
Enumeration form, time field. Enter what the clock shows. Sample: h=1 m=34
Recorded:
h=3 m=32
